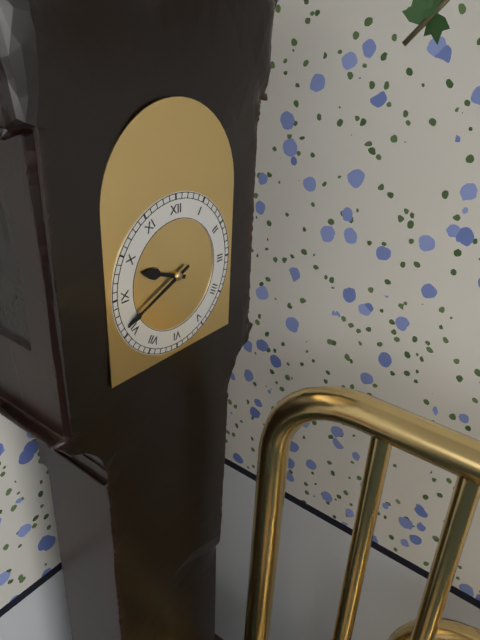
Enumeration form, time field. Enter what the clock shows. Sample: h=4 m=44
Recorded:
h=9 m=41
